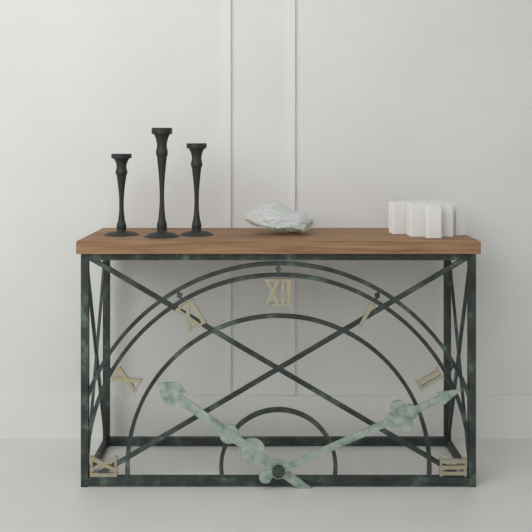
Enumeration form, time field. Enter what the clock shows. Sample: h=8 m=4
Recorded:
h=10 m=11
